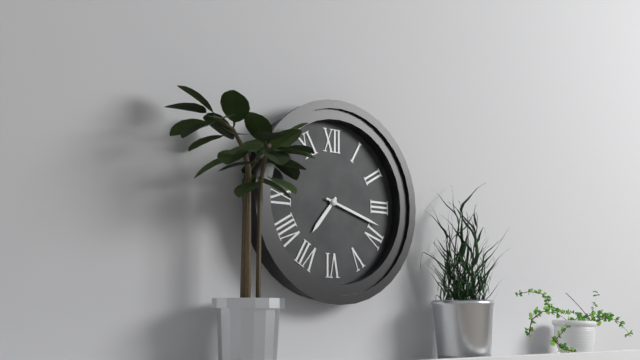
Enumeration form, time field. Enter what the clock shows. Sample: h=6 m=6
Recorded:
h=7 m=18
